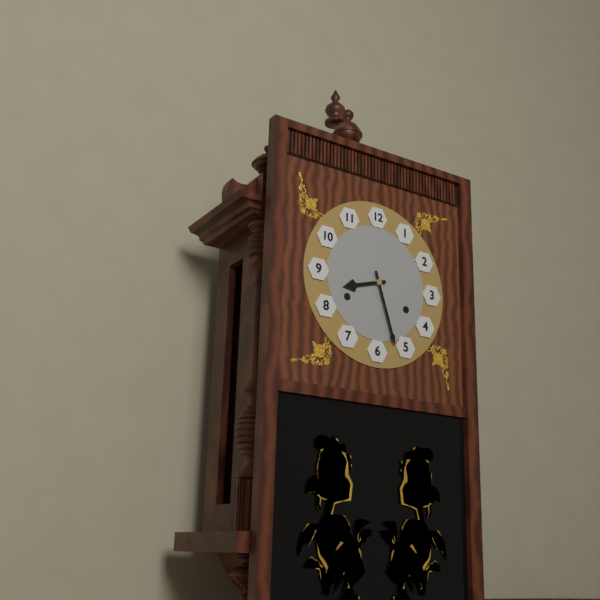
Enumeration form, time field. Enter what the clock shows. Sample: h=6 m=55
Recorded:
h=8 m=27
